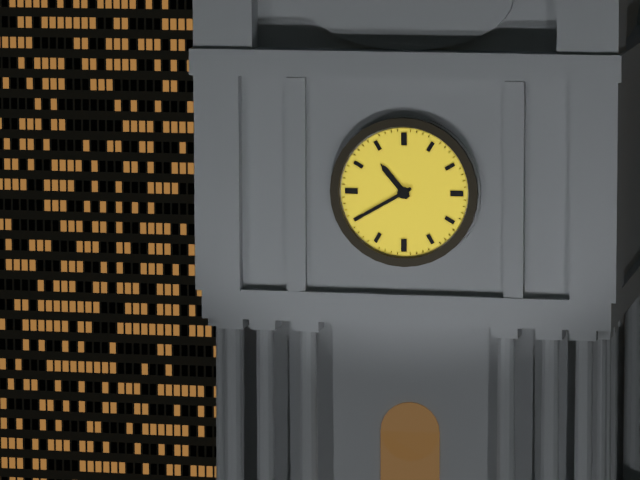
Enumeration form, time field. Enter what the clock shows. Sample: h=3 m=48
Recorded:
h=10 m=40
